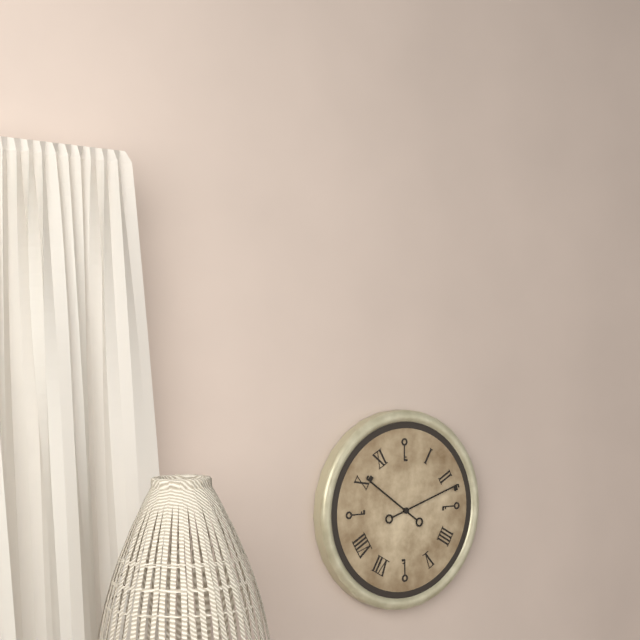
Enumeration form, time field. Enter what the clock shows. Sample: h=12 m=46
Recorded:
h=10 m=12
